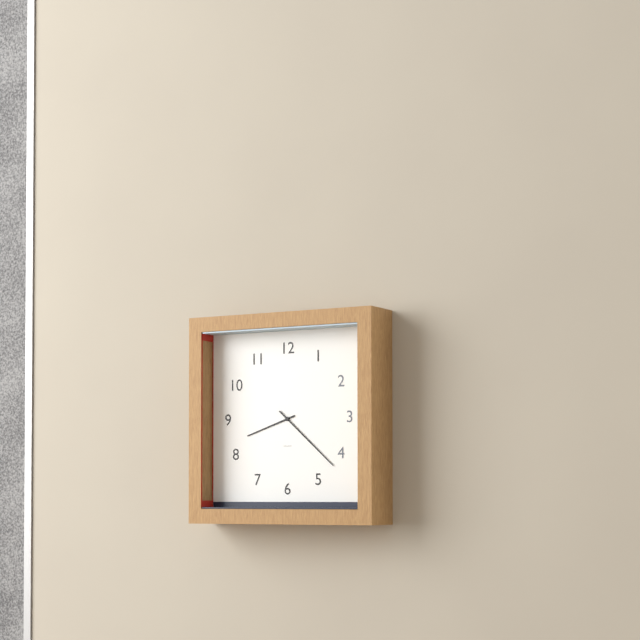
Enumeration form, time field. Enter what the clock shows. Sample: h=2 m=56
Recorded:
h=8 m=22
